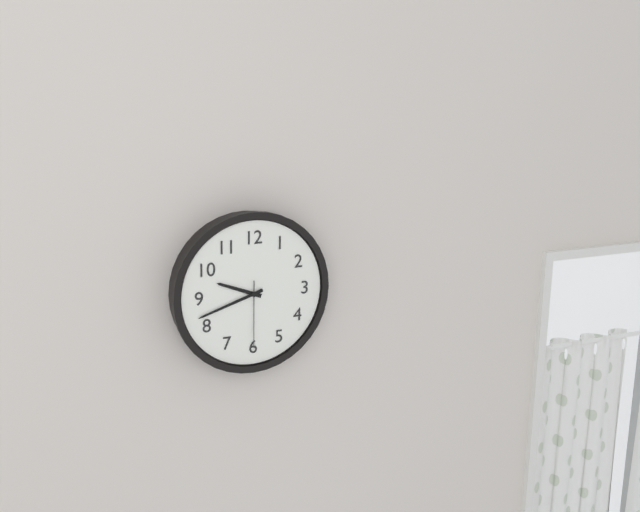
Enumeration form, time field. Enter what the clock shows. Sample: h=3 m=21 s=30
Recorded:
h=9 m=42 s=30
